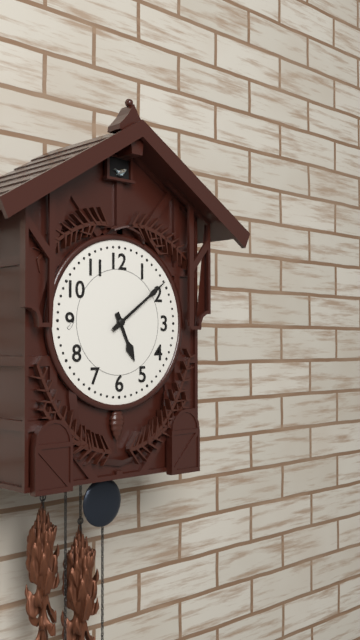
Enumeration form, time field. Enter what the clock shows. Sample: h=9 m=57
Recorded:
h=5 m=9
